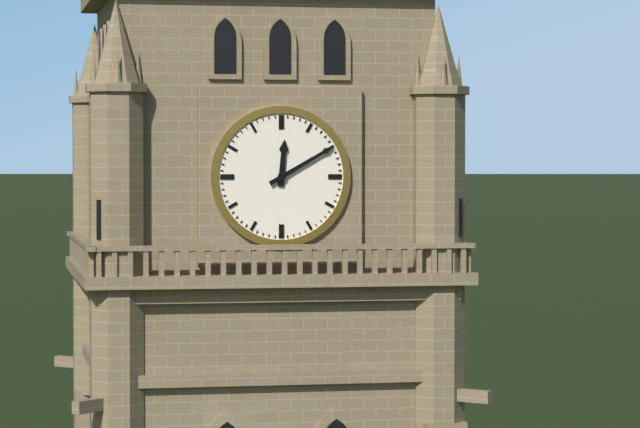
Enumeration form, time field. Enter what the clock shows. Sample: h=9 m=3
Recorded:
h=12 m=10
